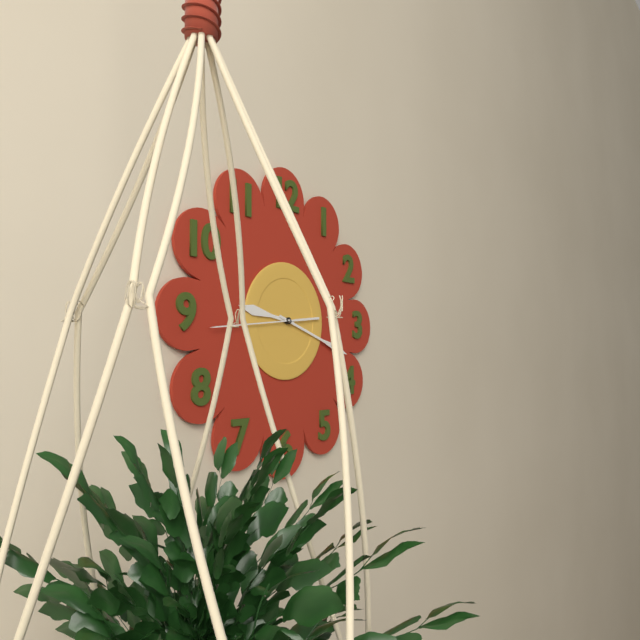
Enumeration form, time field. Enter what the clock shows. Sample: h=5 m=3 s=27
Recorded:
h=9 m=18 s=44
